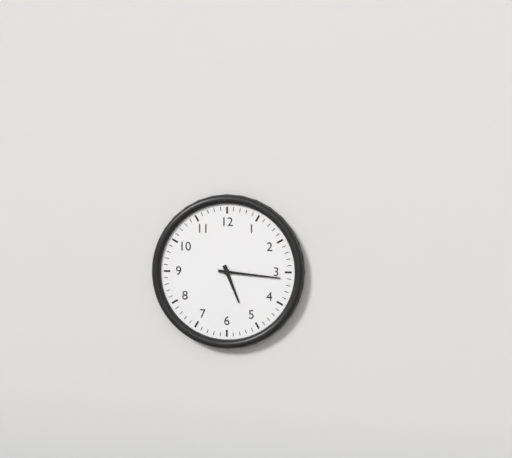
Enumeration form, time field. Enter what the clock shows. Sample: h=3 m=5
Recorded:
h=5 m=16
